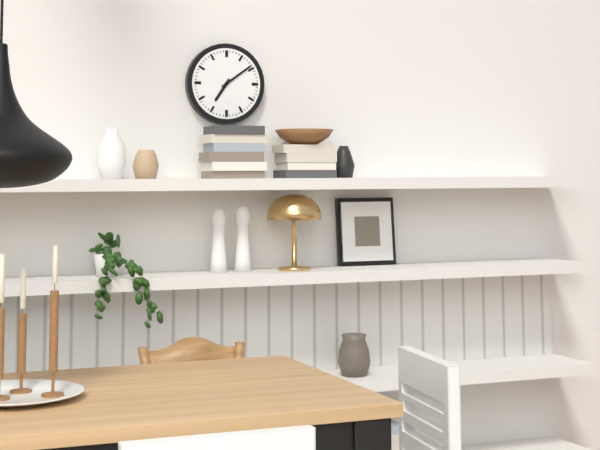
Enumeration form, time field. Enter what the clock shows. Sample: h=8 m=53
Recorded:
h=7 m=9
